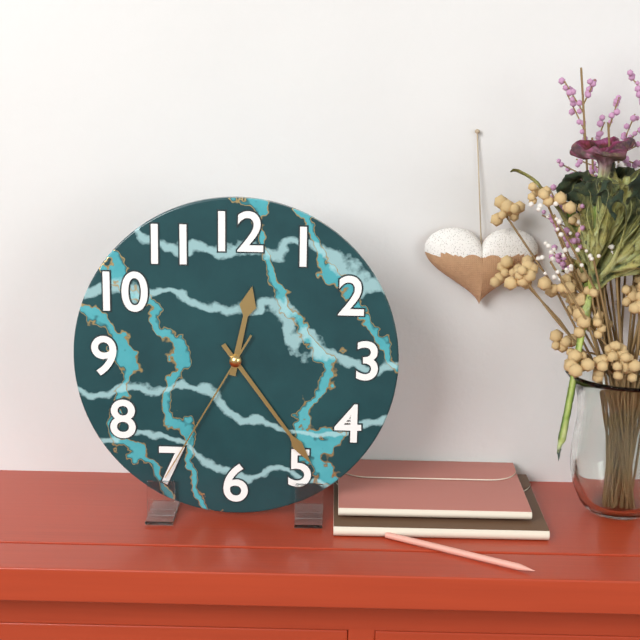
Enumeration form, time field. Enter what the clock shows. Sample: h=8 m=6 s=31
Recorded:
h=12 m=24 s=35
